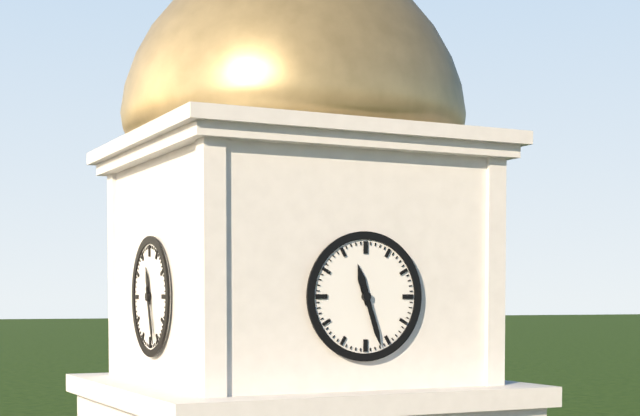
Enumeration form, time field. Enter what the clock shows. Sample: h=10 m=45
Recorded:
h=11 m=27
